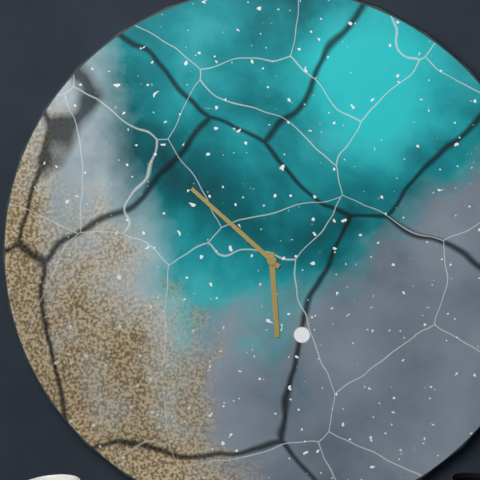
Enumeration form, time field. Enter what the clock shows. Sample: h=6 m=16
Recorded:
h=5 m=52
